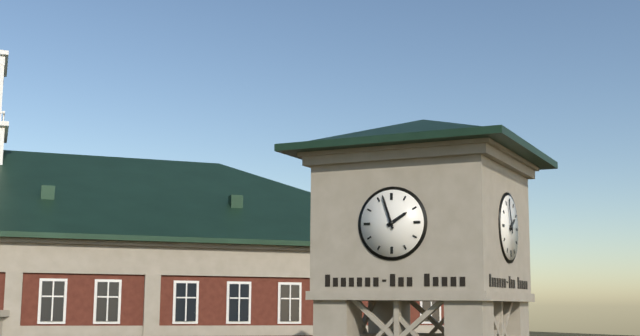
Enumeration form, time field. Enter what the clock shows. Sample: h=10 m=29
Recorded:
h=1 m=57
